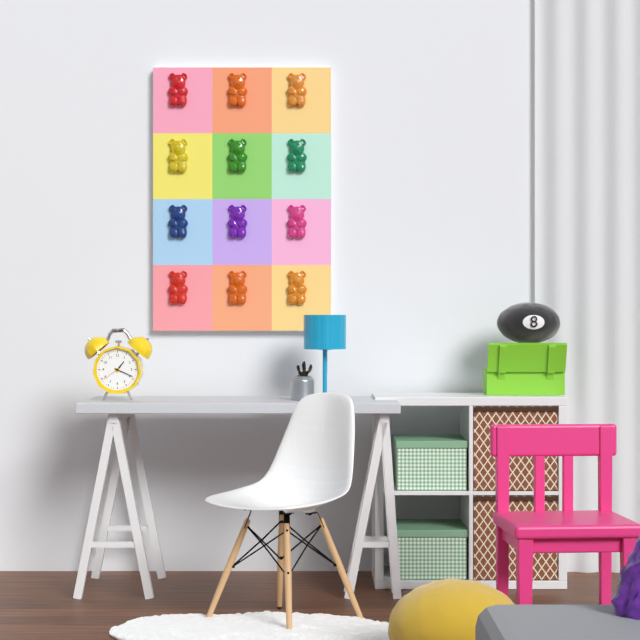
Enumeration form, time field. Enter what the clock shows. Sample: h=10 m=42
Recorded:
h=1 m=19
